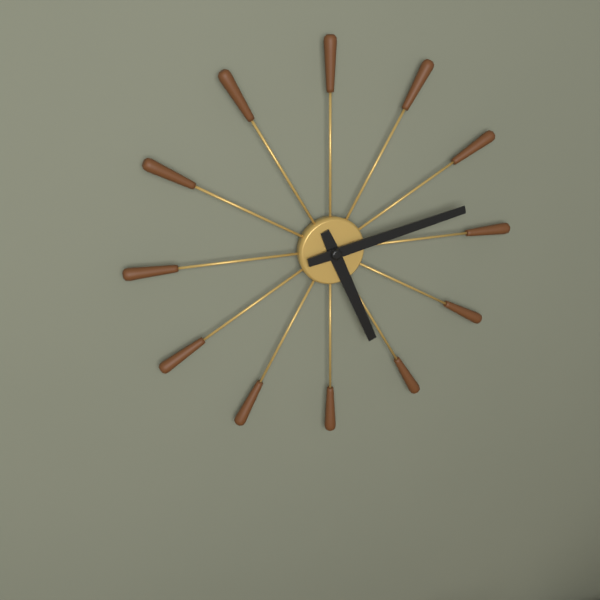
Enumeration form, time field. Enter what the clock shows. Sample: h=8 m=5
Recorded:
h=5 m=13
